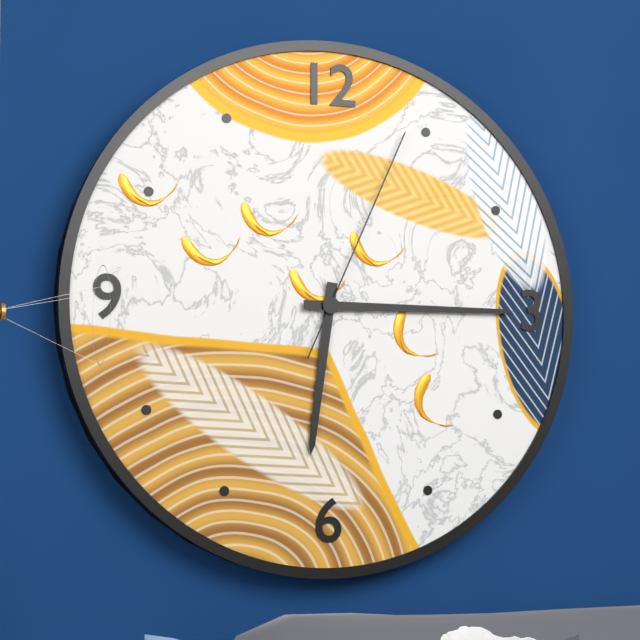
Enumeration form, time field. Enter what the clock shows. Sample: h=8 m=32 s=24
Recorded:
h=6 m=15 s=4
